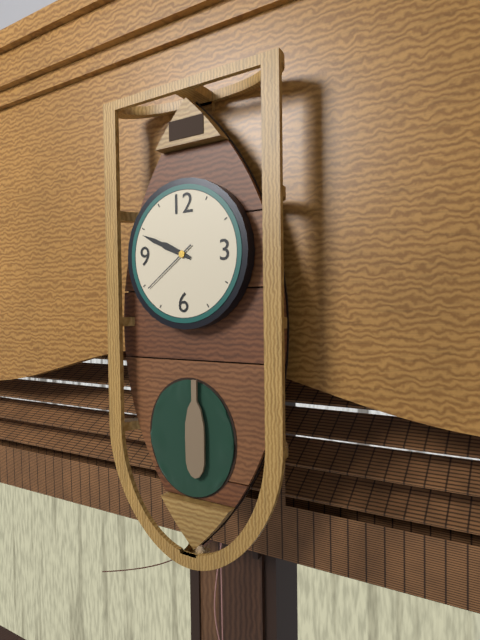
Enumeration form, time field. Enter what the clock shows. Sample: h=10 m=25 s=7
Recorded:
h=9 m=49 s=39
